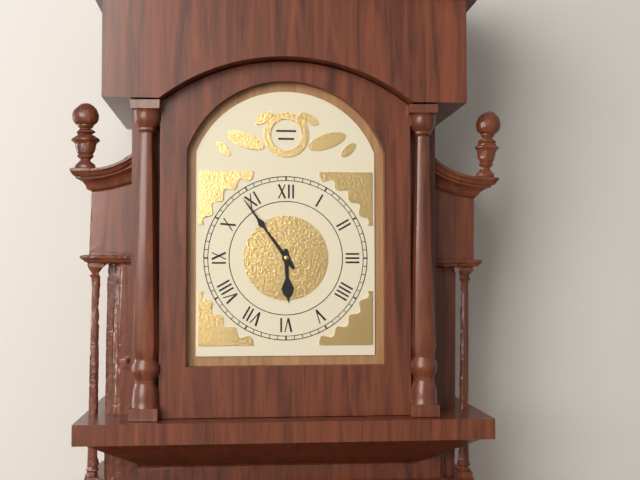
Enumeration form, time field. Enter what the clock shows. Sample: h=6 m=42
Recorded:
h=5 m=54
